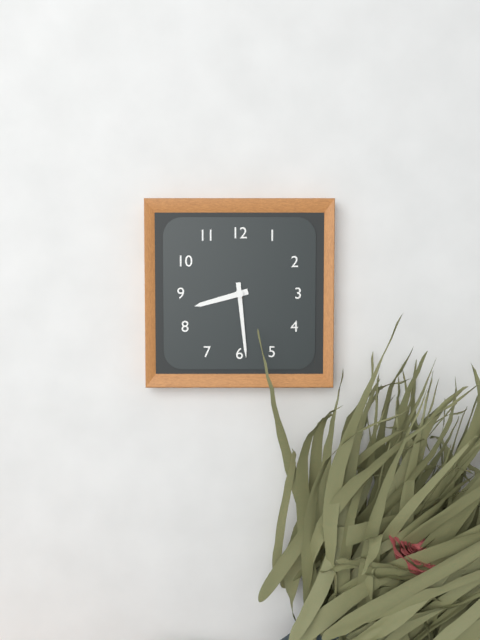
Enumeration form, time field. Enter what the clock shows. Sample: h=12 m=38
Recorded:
h=8 m=29
